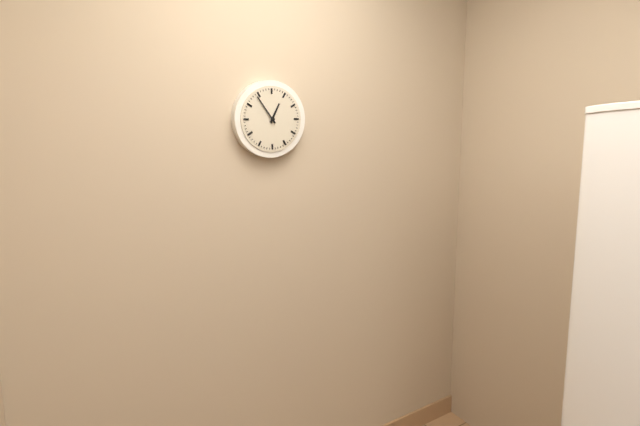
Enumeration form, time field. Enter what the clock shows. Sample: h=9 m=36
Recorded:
h=12 m=54
